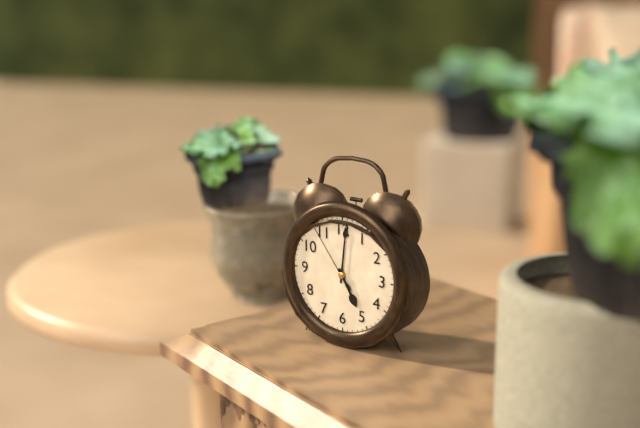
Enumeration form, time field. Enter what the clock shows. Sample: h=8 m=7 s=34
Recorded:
h=5 m=1 s=54
